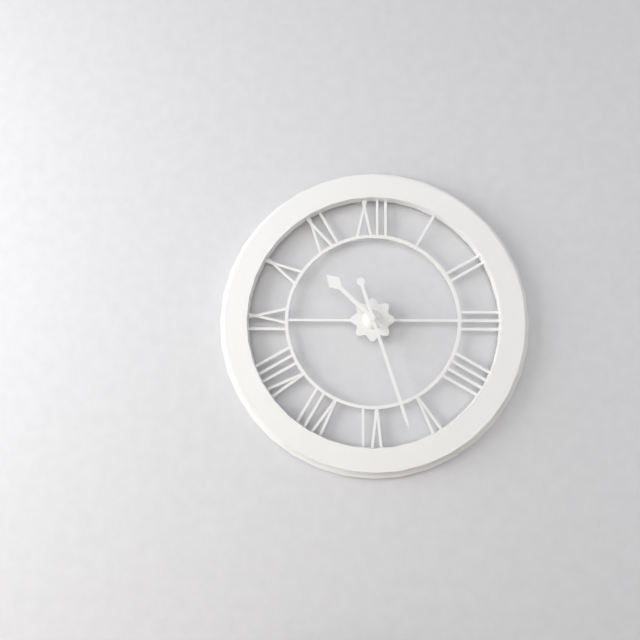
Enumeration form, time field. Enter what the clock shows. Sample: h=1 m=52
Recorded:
h=10 m=27
